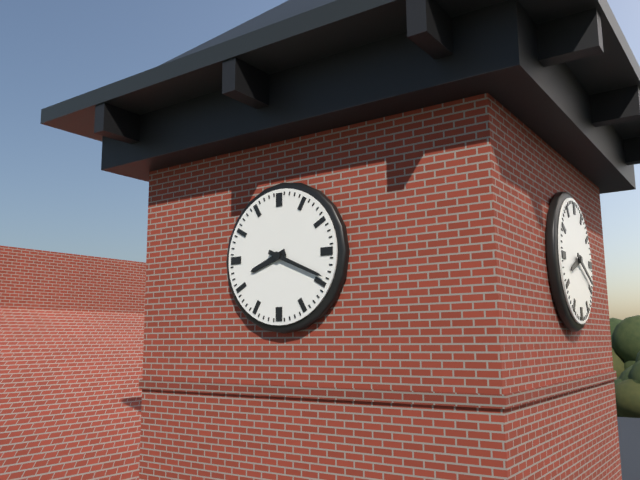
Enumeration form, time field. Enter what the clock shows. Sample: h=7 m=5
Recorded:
h=8 m=19
